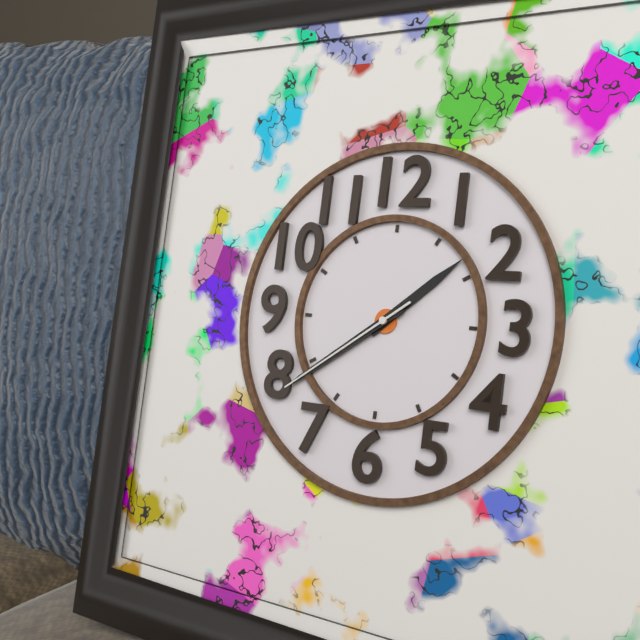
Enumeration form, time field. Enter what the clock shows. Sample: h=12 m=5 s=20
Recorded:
h=1 m=39 s=39
